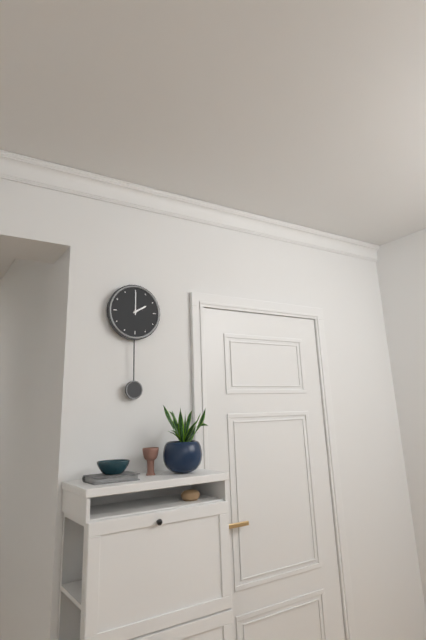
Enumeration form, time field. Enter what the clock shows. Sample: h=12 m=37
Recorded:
h=2 m=0
